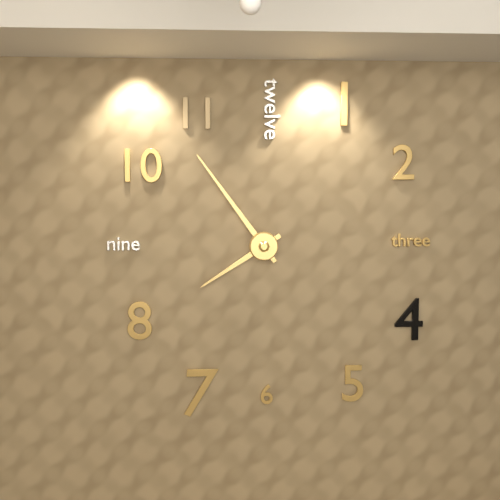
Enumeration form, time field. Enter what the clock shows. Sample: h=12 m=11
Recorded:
h=7 m=54
